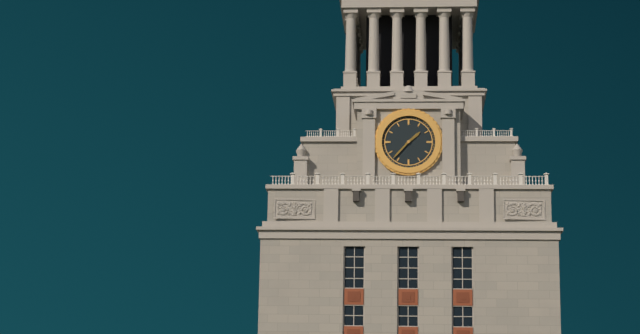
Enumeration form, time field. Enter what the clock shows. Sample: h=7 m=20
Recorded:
h=1 m=37
